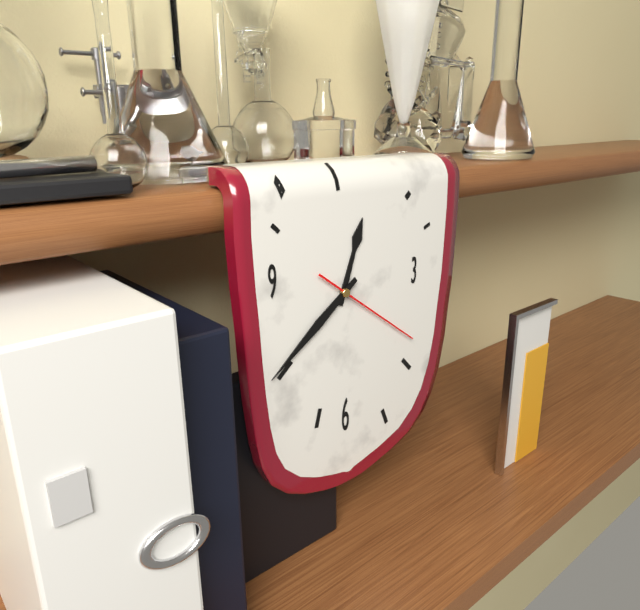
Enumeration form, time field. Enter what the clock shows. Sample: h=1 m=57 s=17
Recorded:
h=12 m=39 s=21
